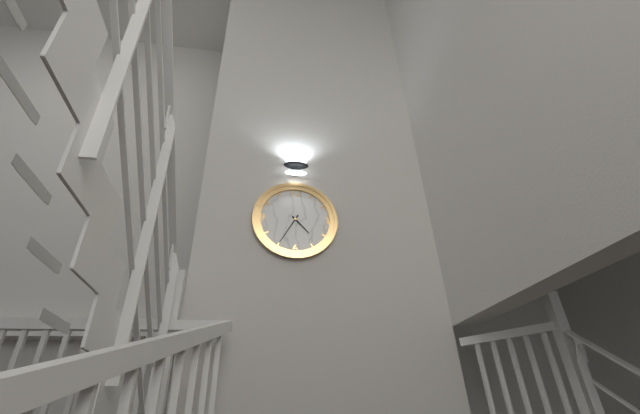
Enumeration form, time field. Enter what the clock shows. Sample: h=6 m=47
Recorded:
h=4 m=35
